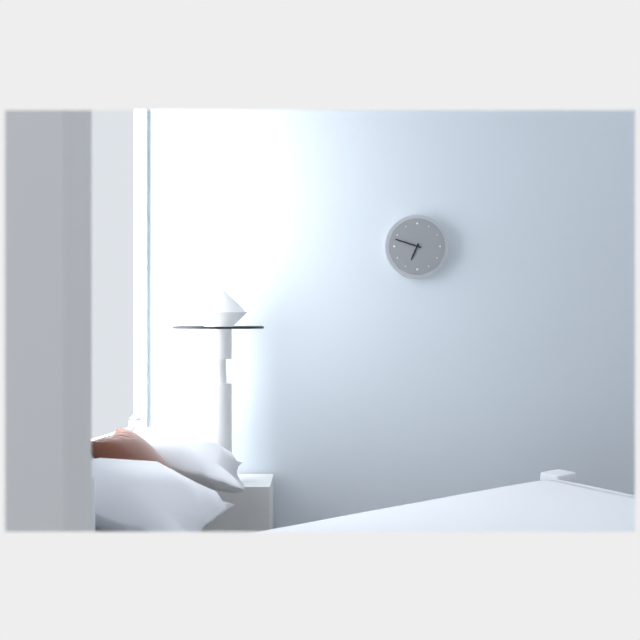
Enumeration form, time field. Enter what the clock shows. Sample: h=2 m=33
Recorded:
h=6 m=48
